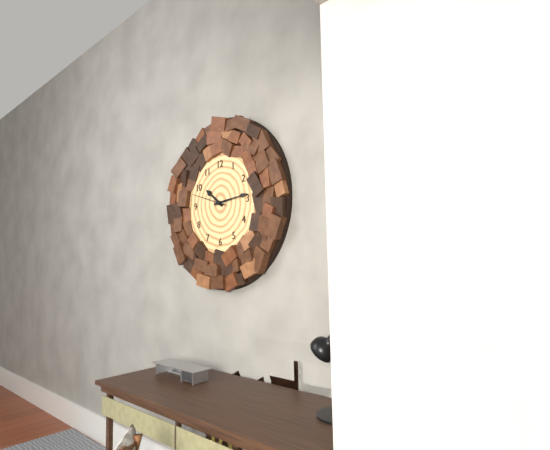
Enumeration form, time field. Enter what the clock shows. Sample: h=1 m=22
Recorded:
h=10 m=14
